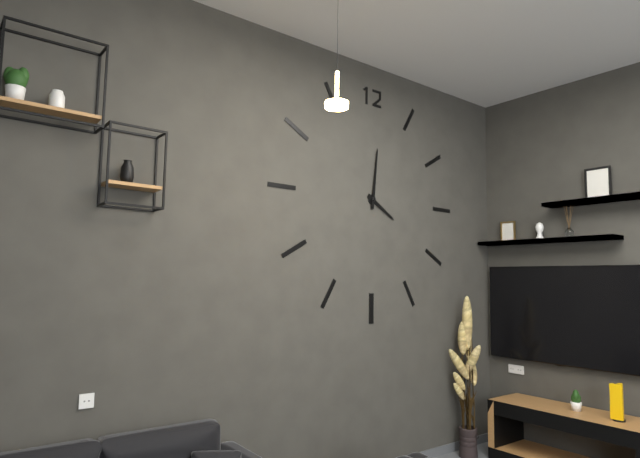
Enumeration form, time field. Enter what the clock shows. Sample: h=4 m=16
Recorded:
h=4 m=1
